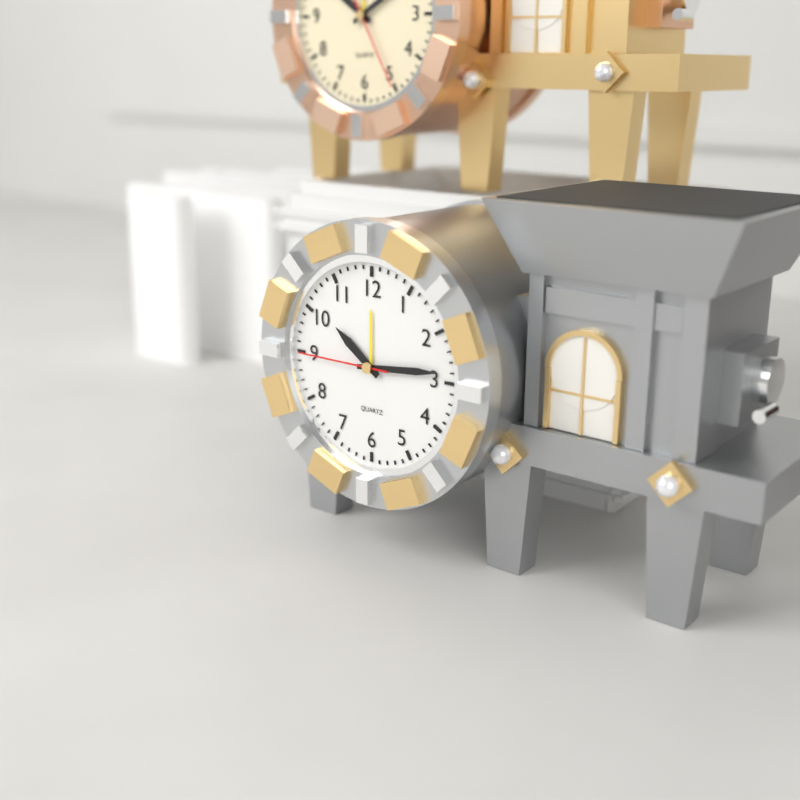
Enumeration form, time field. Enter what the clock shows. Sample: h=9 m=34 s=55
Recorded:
h=10 m=14 s=45
